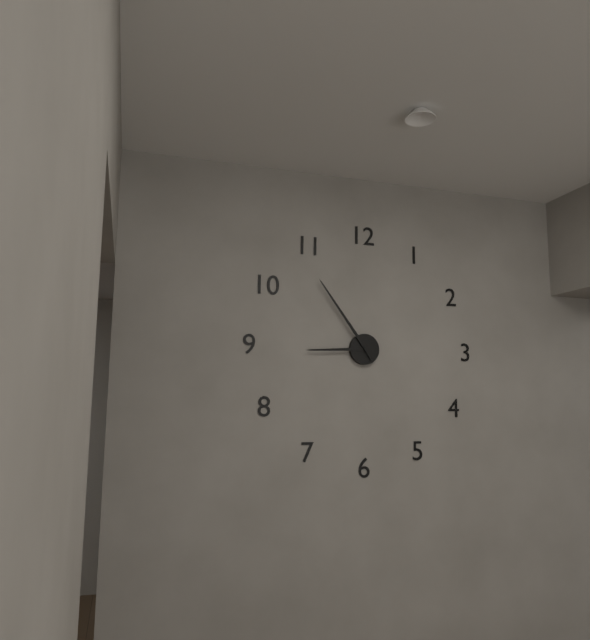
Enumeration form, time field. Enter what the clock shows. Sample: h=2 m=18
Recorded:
h=8 m=54
